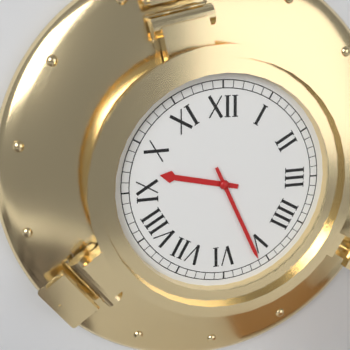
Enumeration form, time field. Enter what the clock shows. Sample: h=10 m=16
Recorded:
h=9 m=26
